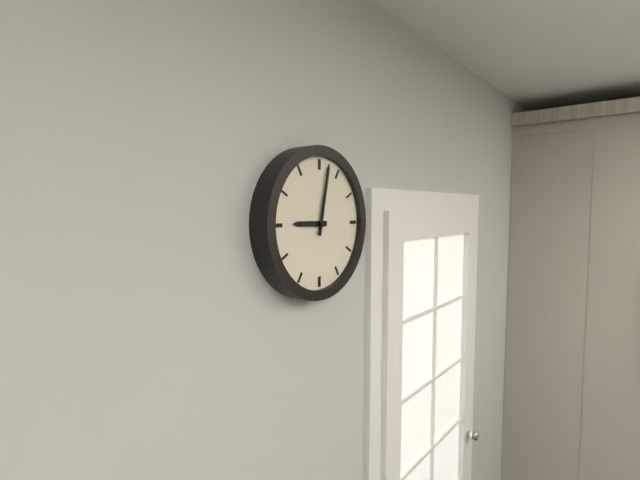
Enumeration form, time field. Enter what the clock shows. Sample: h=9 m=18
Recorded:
h=9 m=2
